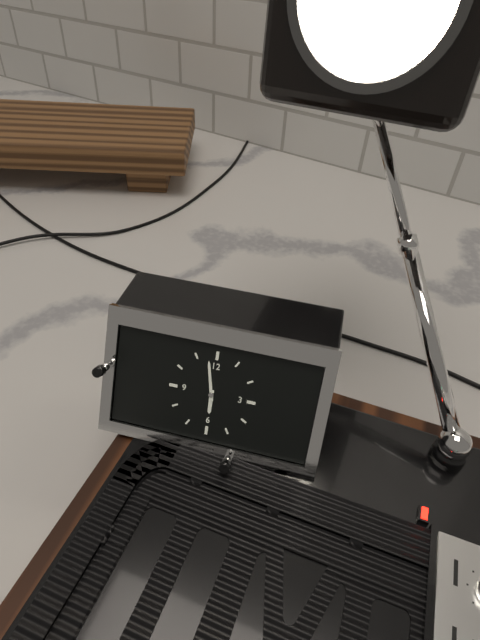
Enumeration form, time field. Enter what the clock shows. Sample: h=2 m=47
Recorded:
h=5 m=58
